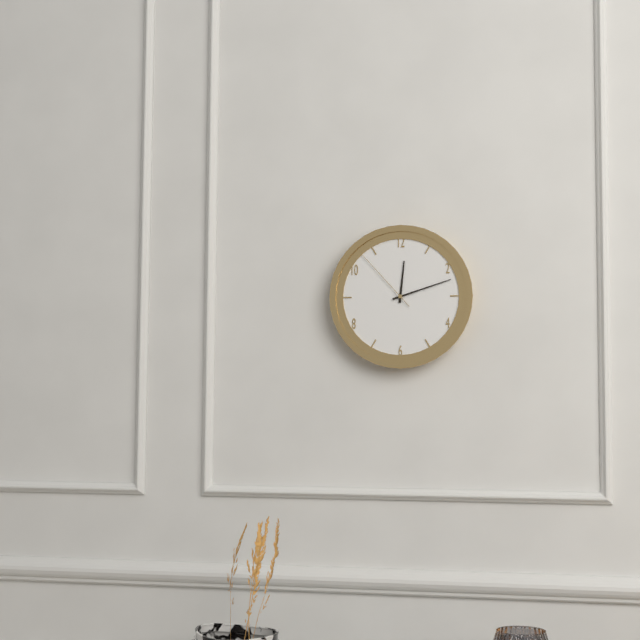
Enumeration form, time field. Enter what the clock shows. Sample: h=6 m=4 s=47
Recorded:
h=12 m=12 s=53
